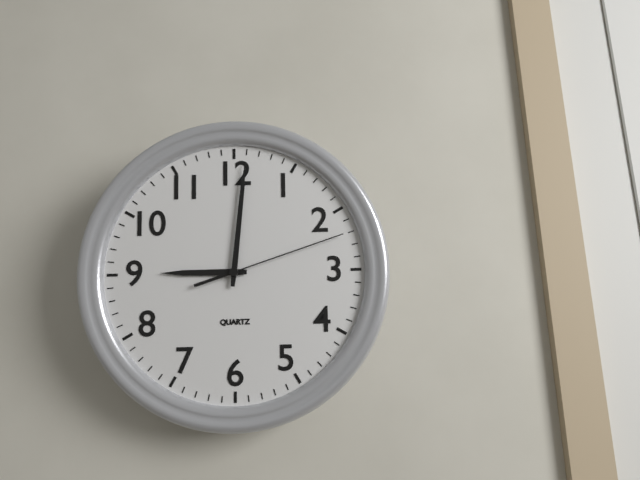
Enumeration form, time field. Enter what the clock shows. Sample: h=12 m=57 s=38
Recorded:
h=9 m=1 s=12
